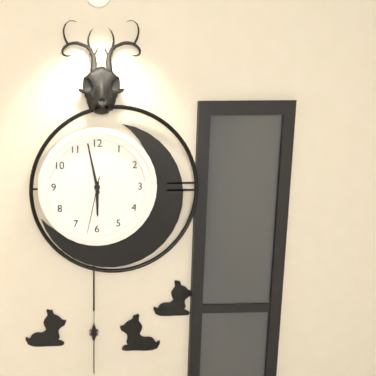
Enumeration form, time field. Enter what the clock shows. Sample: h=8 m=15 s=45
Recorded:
h=5 m=58 s=32
